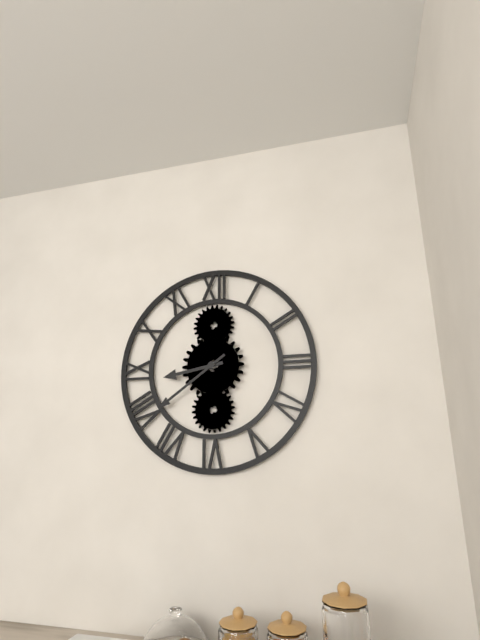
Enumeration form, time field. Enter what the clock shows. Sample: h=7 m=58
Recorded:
h=8 m=39
